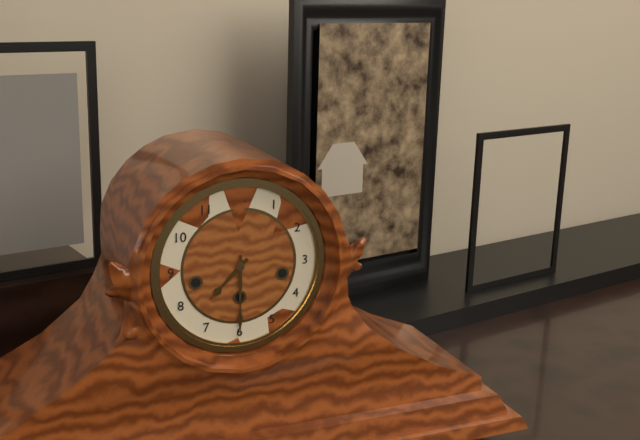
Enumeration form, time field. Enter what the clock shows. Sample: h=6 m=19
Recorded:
h=7 m=30
